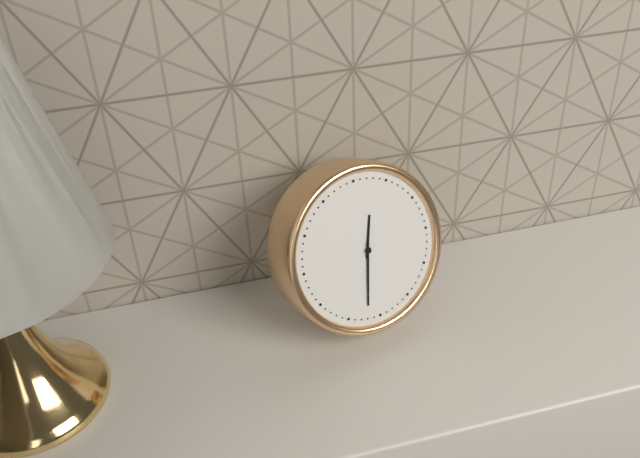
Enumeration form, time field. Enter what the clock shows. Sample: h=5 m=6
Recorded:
h=12 m=32
